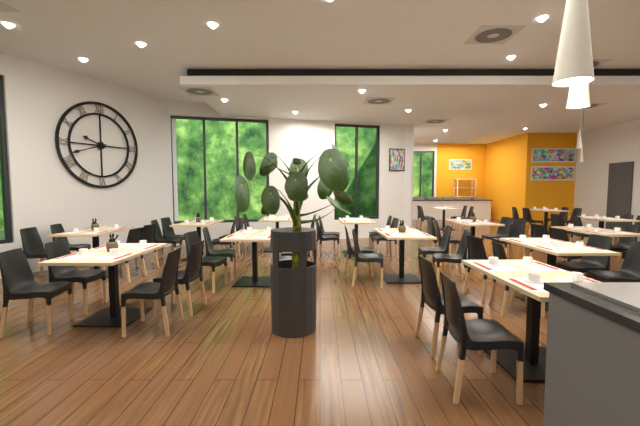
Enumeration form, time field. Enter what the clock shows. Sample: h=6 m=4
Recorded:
h=9 m=42
